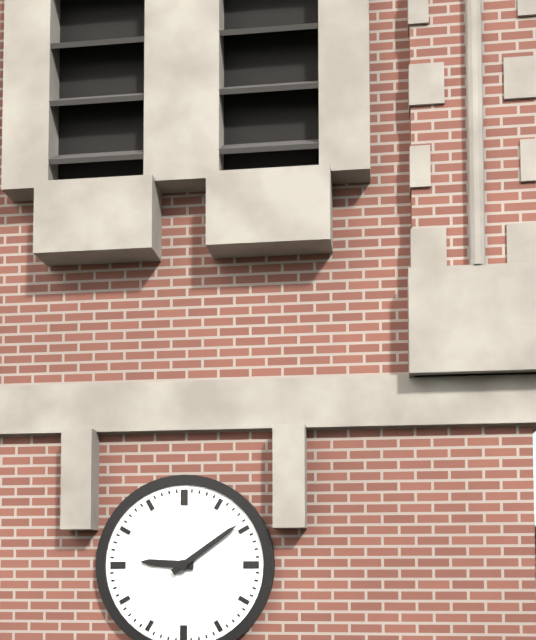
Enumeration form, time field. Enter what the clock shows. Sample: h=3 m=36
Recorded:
h=9 m=9
